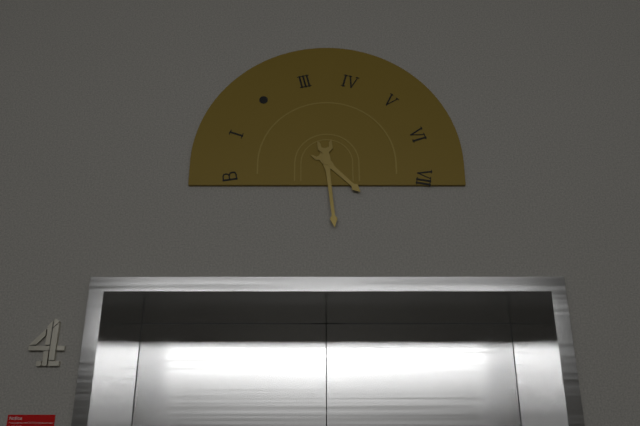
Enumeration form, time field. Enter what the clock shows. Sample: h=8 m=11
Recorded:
h=4 m=29
